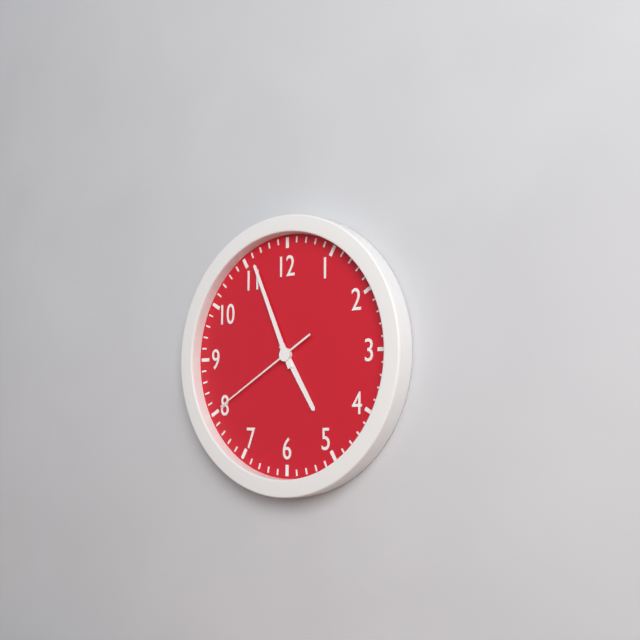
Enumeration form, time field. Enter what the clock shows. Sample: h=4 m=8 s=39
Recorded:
h=4 m=56 s=40
